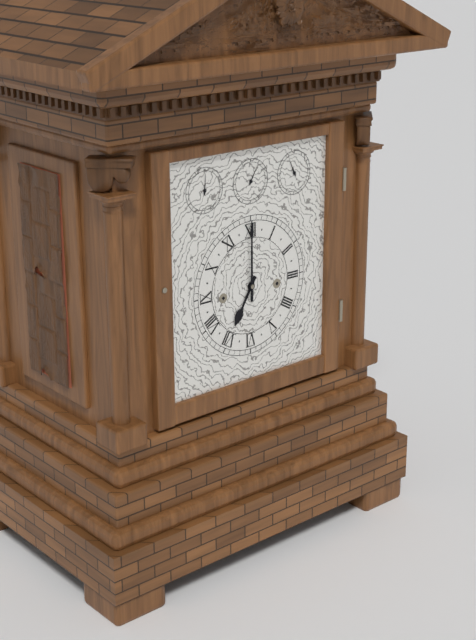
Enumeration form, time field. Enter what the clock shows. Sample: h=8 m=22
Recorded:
h=7 m=0
